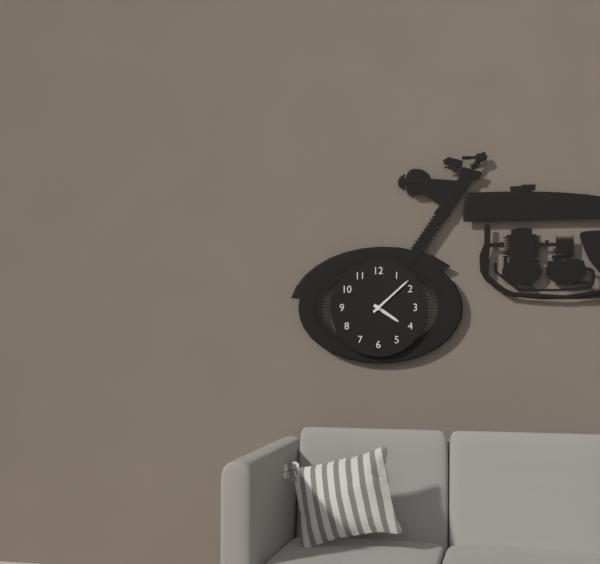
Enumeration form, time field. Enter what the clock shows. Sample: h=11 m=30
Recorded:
h=4 m=8
